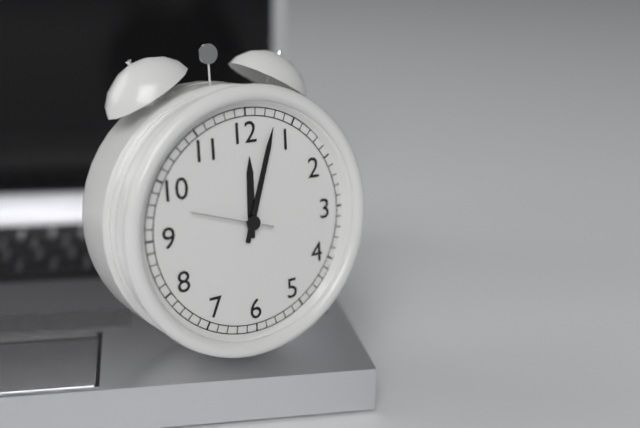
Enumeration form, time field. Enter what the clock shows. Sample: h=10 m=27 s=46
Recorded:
h=12 m=3 s=48
